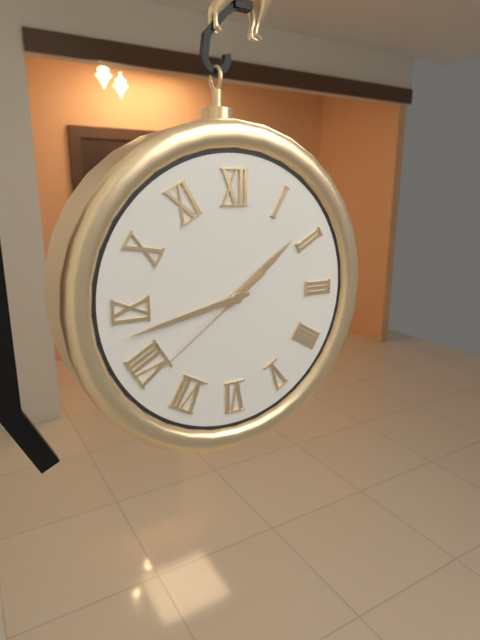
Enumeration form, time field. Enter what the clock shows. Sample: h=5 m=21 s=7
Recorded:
h=1 m=43 s=39
